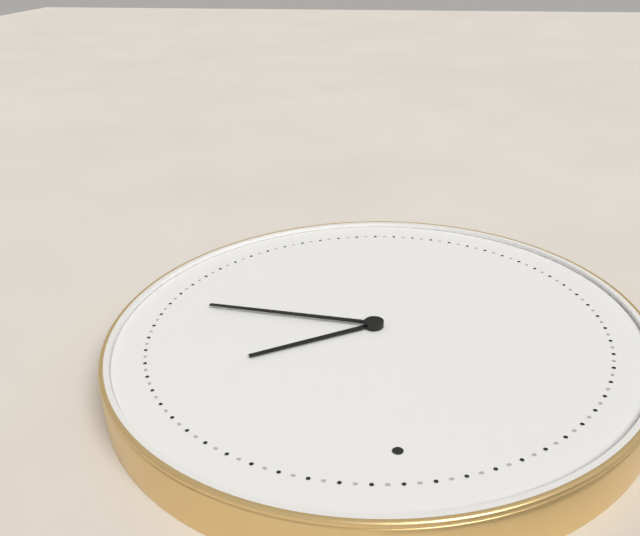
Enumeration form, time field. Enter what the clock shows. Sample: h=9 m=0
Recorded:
h=2 m=18
